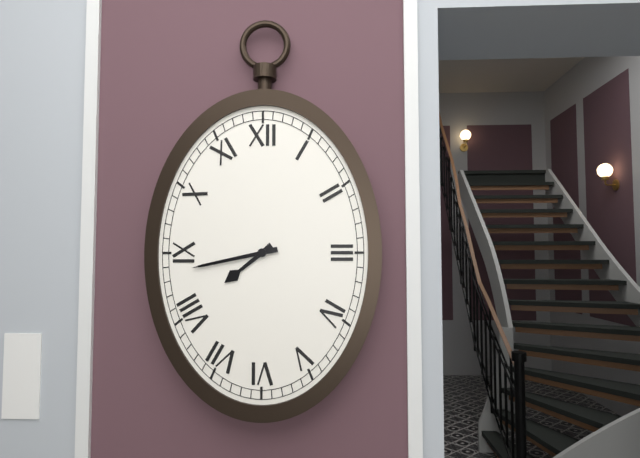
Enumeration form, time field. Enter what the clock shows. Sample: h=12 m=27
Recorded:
h=7 m=43
